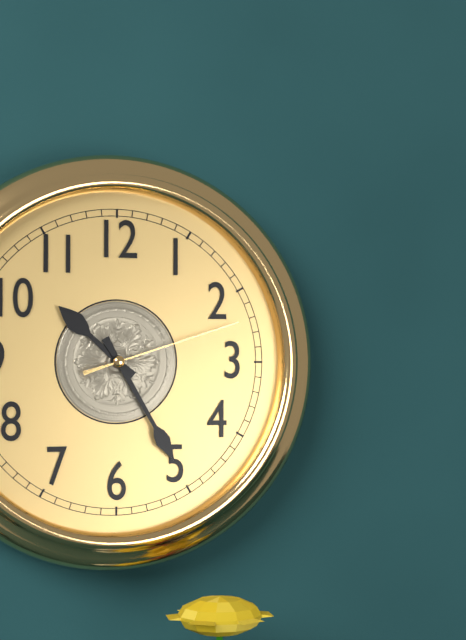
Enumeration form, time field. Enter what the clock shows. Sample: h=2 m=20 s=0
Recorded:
h=10 m=25 s=12
